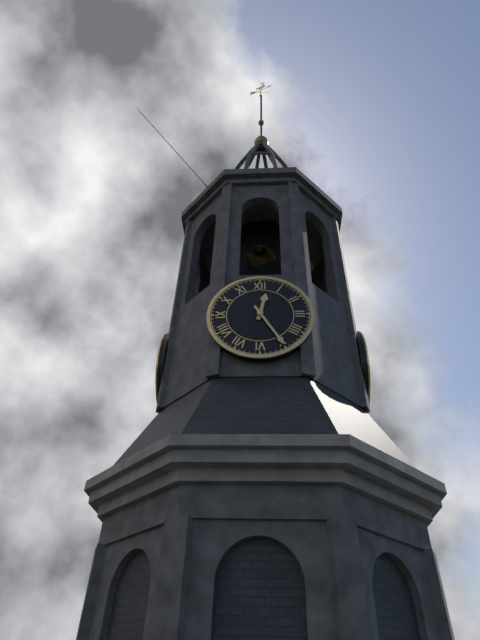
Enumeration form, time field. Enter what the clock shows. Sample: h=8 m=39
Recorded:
h=12 m=25
